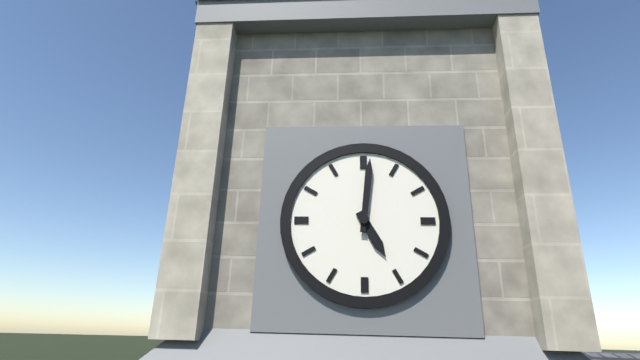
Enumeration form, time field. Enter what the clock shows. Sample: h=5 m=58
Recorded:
h=5 m=1
